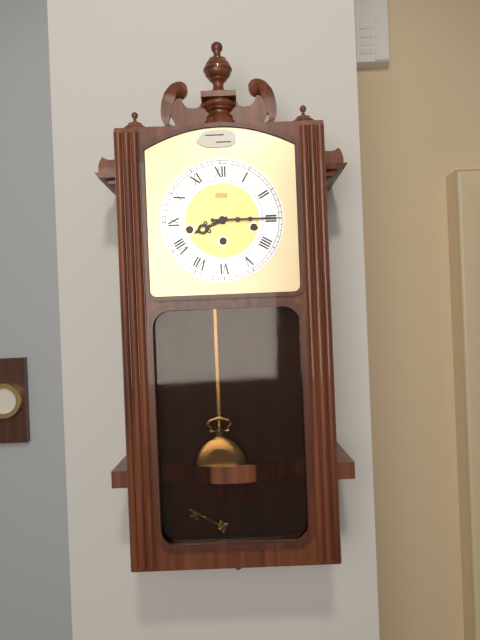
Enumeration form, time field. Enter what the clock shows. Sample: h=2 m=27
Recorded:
h=8 m=15
